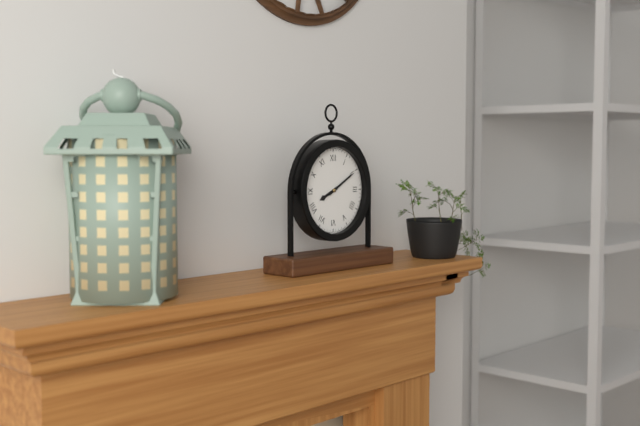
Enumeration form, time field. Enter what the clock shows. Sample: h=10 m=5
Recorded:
h=8 m=10
